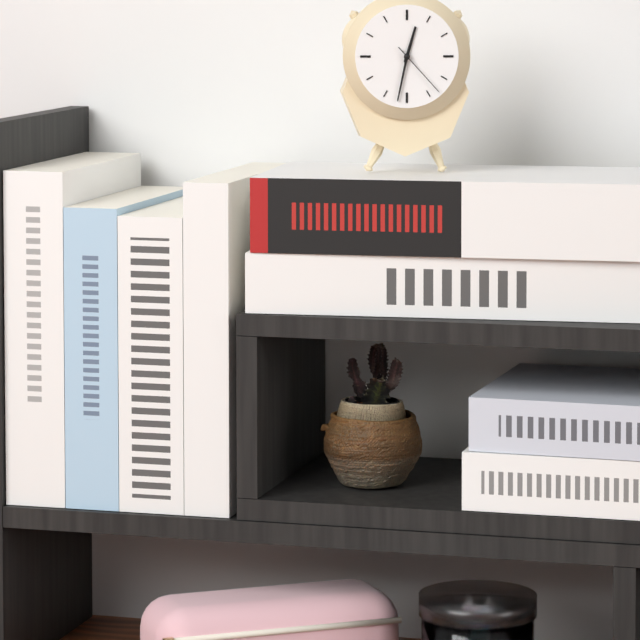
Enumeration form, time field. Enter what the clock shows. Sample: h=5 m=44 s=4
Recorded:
h=12 m=32 s=23
